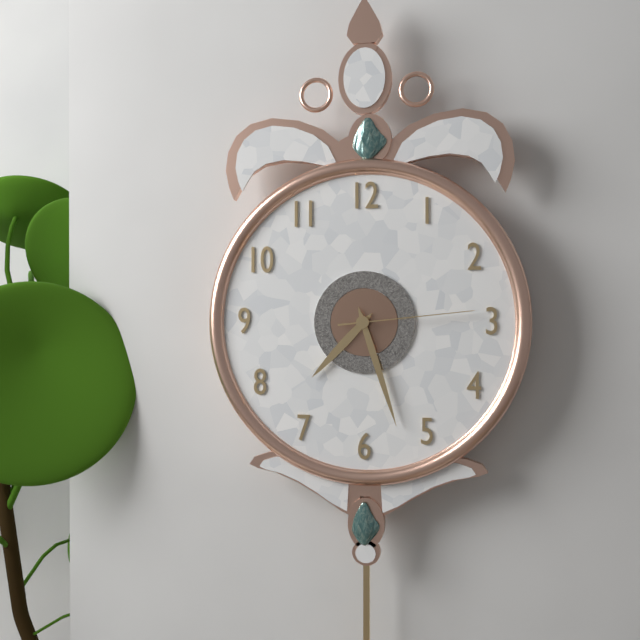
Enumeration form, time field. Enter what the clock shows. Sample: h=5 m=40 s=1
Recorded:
h=7 m=27 s=14
